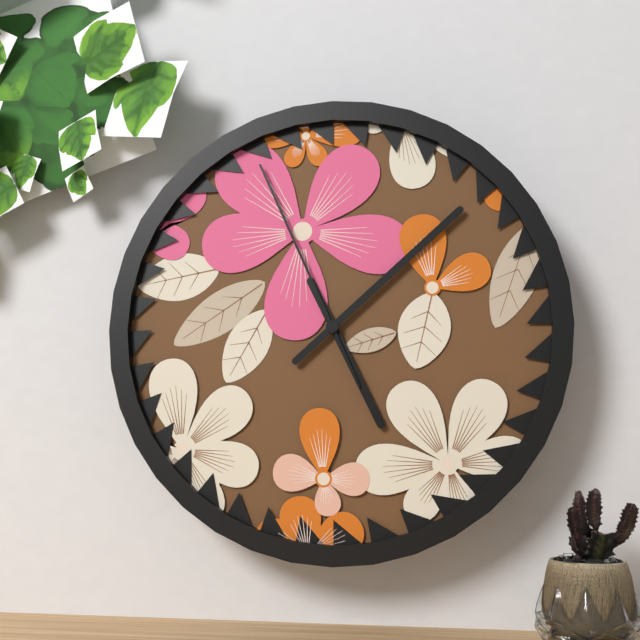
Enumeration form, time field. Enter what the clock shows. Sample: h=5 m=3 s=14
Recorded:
h=5 m=8 s=56
